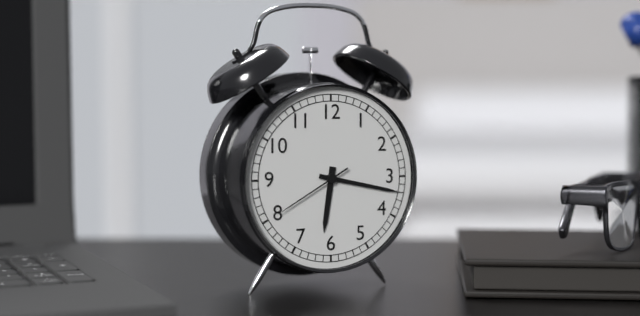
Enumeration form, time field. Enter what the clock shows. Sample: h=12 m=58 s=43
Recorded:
h=6 m=17 s=40
